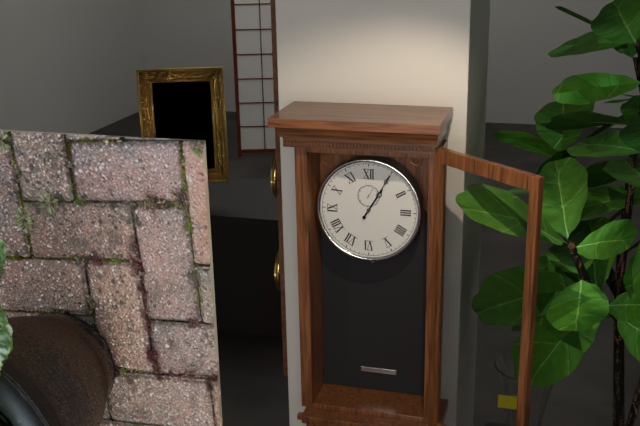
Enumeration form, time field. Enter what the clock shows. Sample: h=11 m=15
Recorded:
h=1 m=5
